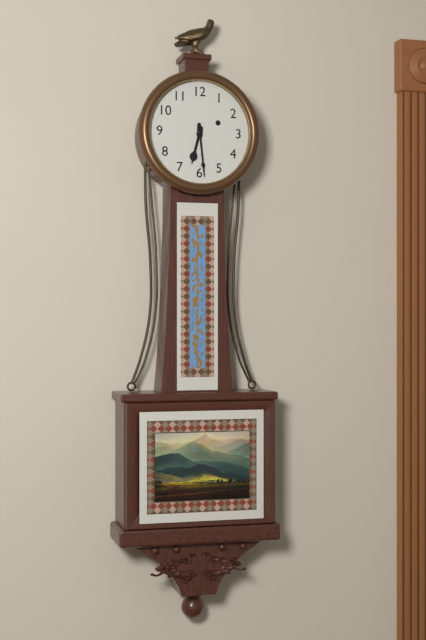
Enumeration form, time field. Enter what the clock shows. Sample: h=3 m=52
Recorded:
h=6 m=29
